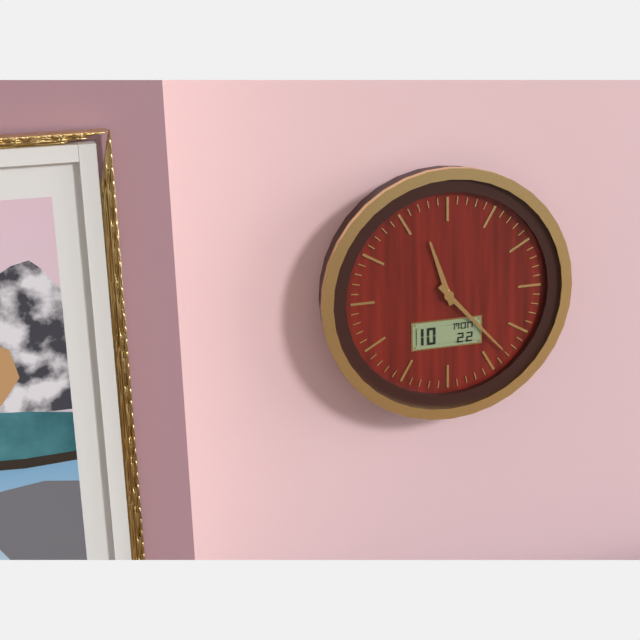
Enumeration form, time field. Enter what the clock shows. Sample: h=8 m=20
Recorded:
h=11 m=23
